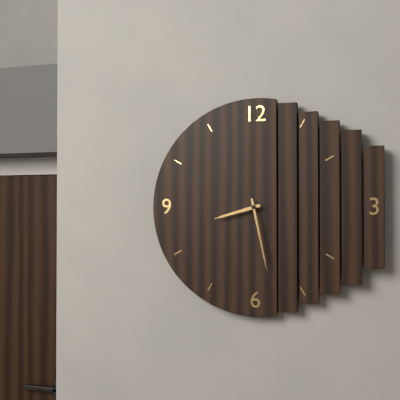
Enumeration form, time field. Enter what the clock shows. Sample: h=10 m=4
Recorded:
h=8 m=28
